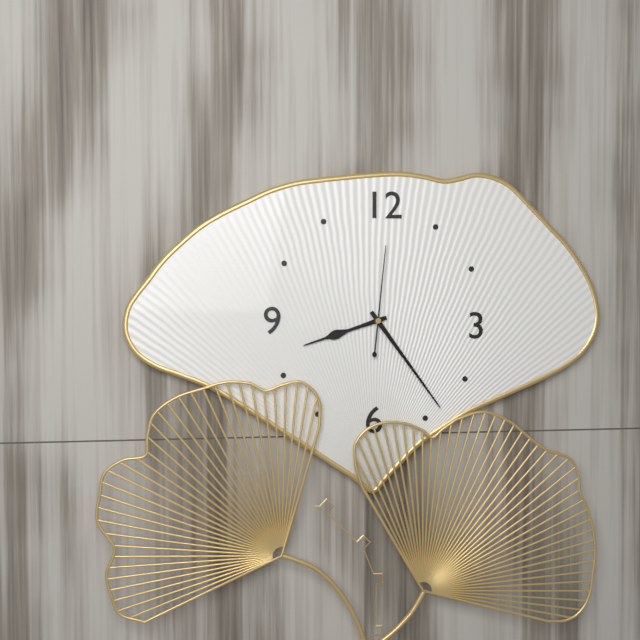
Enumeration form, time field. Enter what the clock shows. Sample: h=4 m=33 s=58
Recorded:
h=8 m=24 s=1
